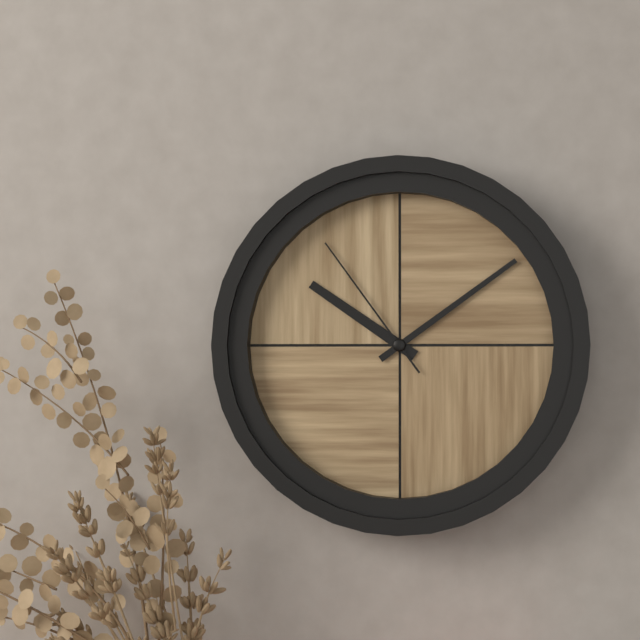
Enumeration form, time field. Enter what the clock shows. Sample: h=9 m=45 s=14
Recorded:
h=10 m=9 s=54
